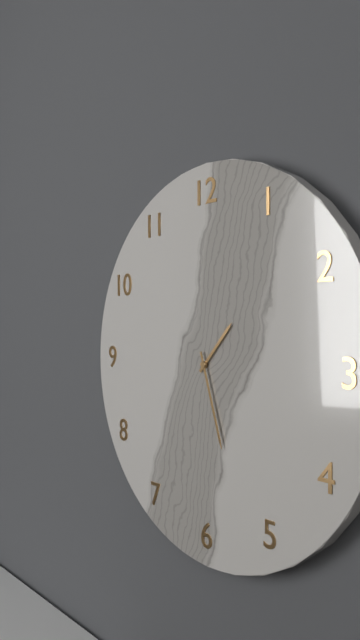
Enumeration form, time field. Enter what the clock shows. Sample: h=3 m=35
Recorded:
h=1 m=27
